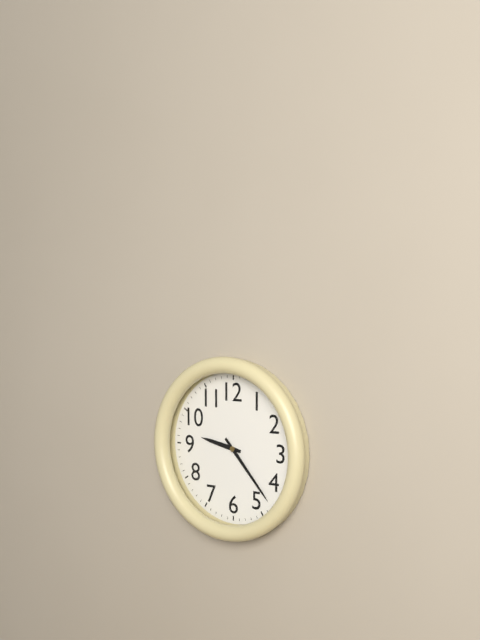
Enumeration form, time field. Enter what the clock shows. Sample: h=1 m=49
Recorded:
h=9 m=23
